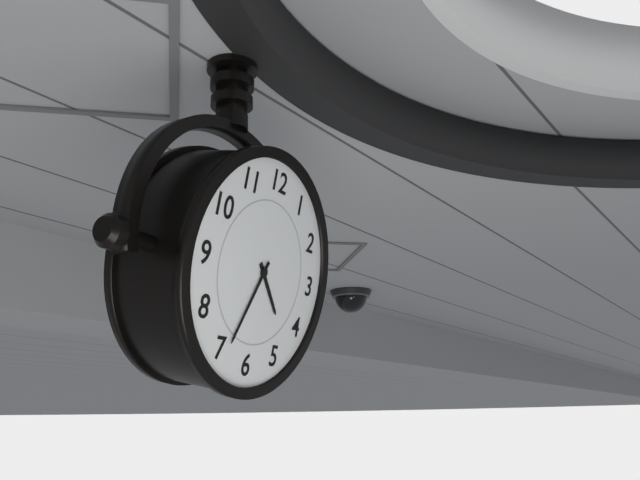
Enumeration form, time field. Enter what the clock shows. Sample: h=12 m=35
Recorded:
h=4 m=34
